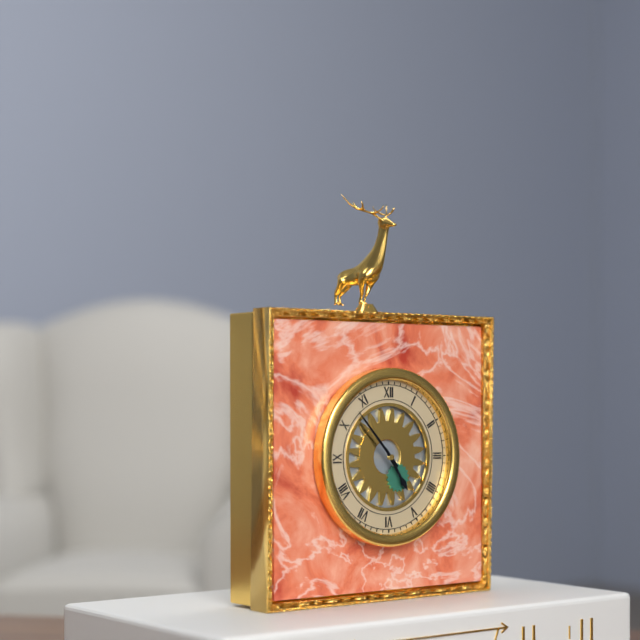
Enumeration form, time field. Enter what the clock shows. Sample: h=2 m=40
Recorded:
h=4 m=53
